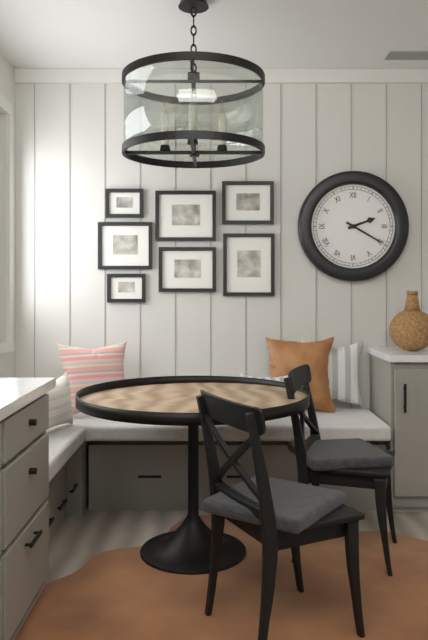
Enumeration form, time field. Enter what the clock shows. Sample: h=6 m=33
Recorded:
h=2 m=20
